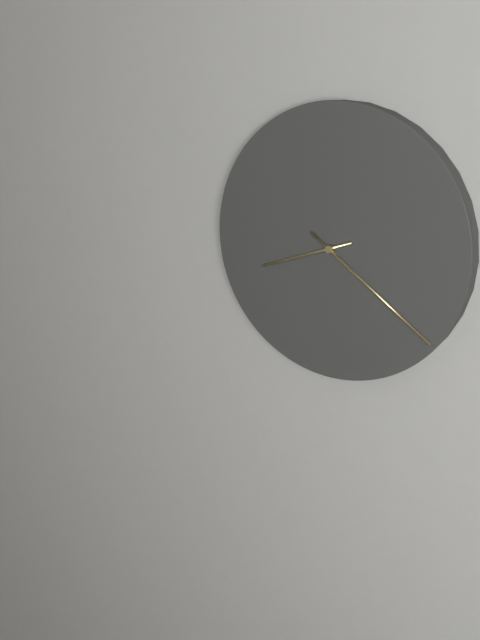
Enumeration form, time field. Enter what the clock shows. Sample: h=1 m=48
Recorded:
h=8 m=21
